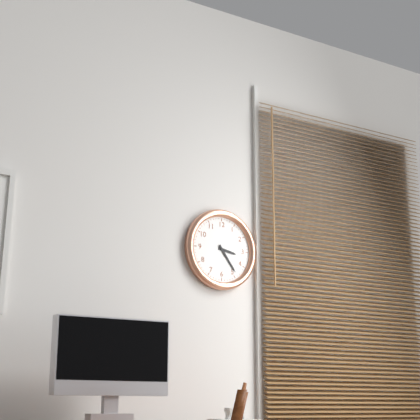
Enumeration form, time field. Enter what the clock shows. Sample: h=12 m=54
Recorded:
h=3 m=24
